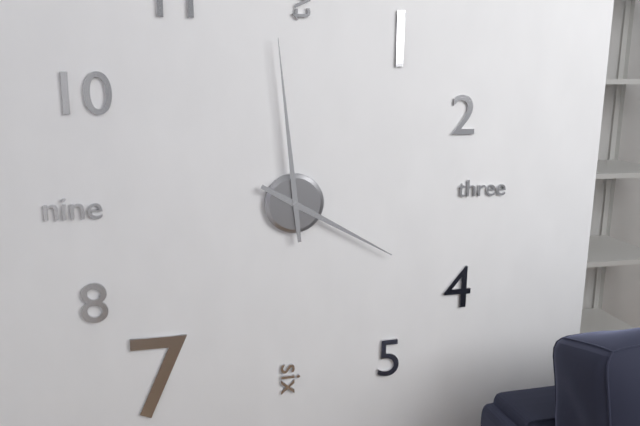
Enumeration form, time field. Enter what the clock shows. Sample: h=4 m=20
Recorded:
h=3 m=59
